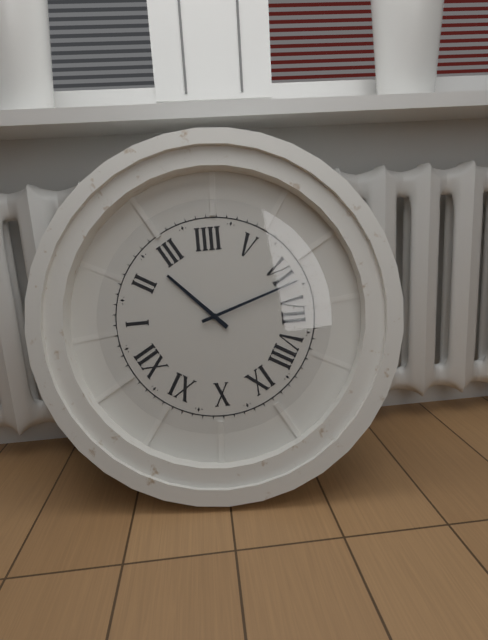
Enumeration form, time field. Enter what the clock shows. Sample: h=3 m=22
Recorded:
h=2 m=32
